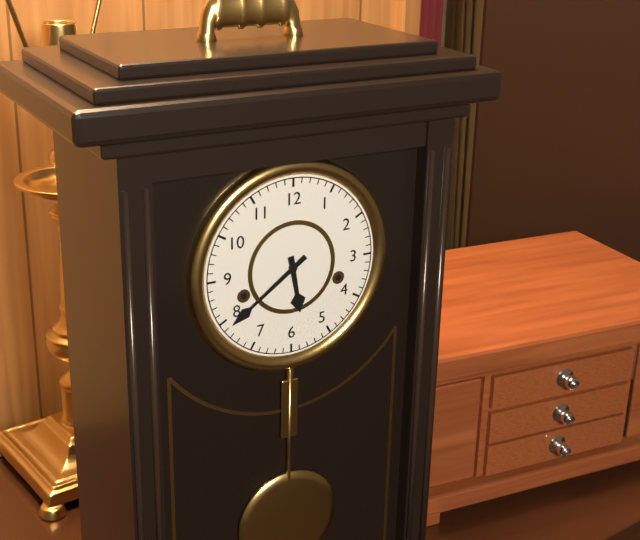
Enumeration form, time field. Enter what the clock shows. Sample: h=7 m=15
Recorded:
h=5 m=39
